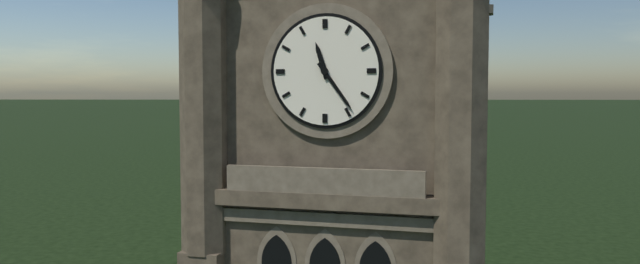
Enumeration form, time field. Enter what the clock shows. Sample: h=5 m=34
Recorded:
h=11 m=24
